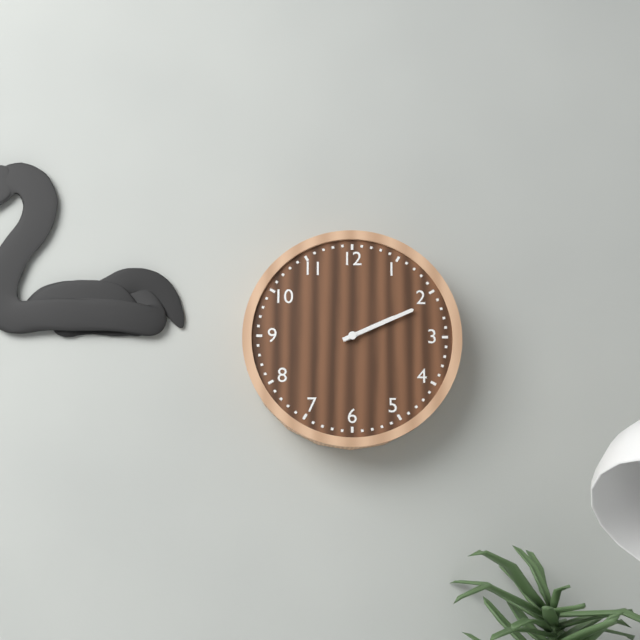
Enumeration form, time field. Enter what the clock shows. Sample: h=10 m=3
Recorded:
h=2 m=11
